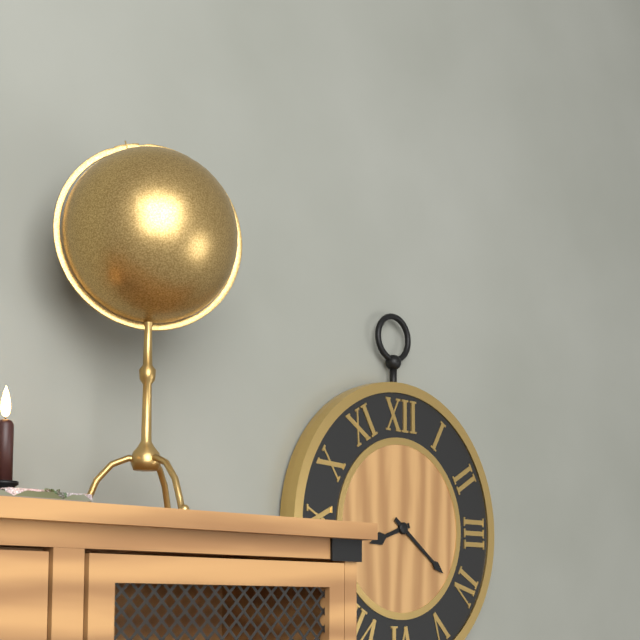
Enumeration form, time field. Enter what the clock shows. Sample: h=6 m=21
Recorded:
h=8 m=21
